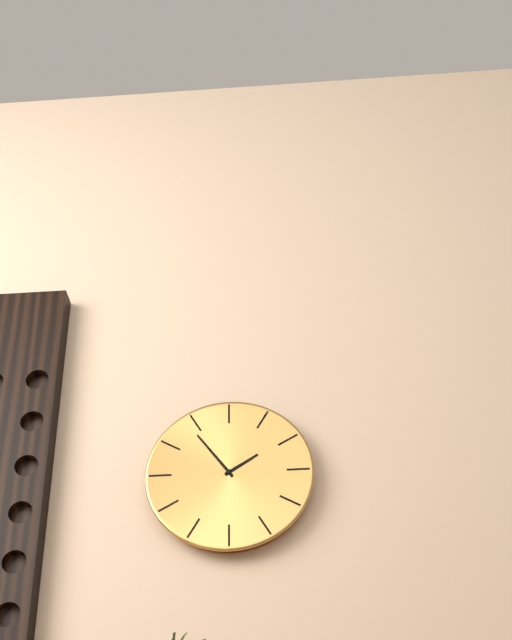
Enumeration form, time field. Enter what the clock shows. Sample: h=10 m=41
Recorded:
h=1 m=54
